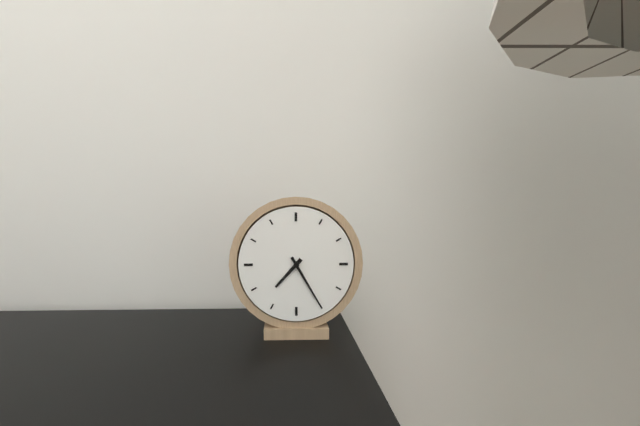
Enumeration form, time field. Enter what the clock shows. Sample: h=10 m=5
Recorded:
h=7 m=25
